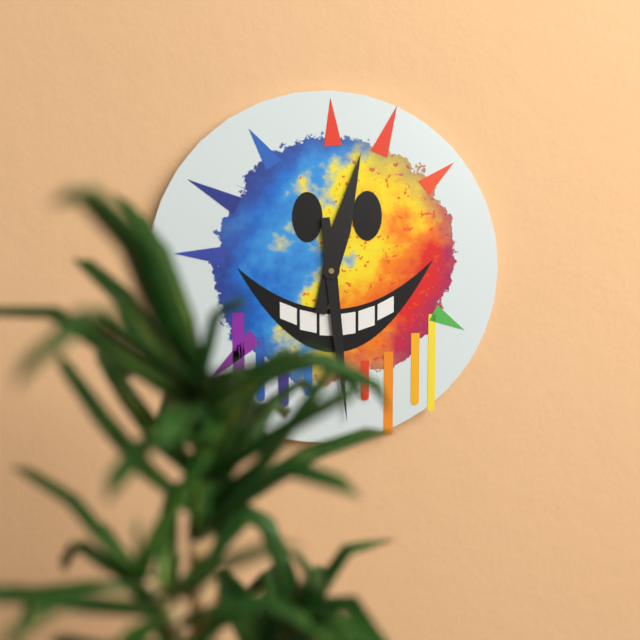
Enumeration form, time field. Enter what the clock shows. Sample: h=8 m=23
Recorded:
h=12 m=29
